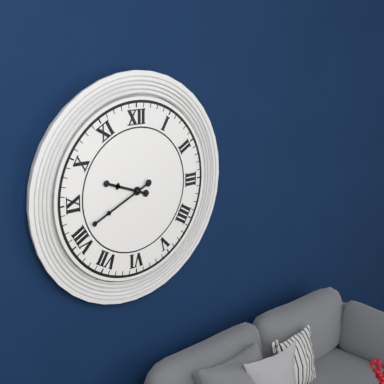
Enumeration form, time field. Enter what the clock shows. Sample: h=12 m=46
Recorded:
h=9 m=41
